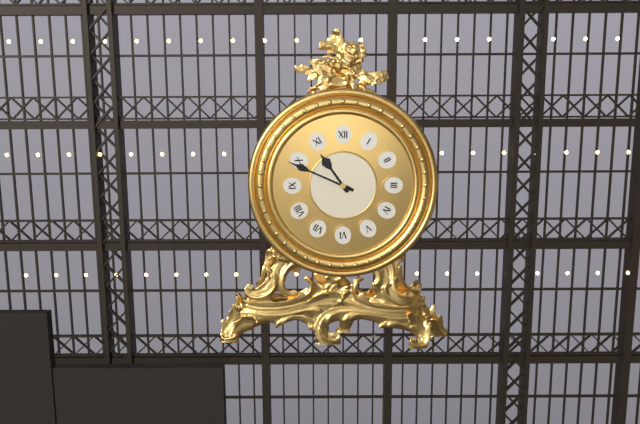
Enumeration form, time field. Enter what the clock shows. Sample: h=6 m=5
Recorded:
h=10 m=49
